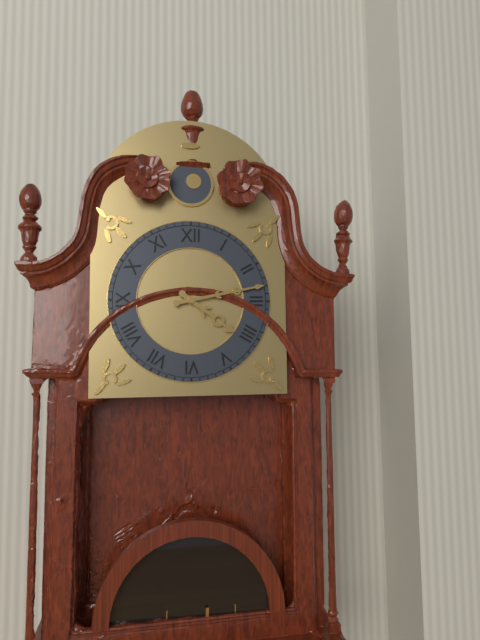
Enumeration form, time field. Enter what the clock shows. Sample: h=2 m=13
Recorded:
h=4 m=13
